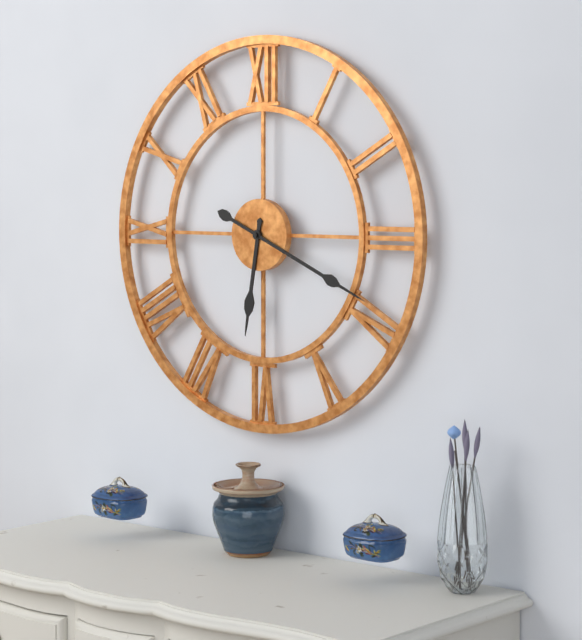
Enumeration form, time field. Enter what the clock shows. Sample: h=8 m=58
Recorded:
h=6 m=19
